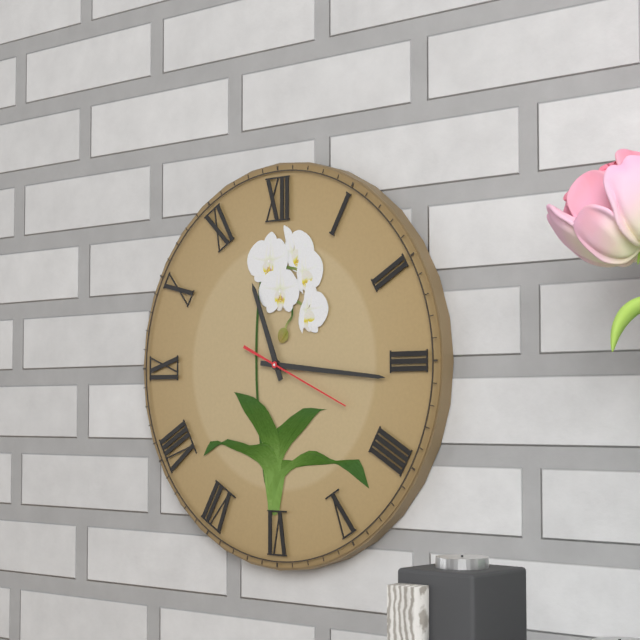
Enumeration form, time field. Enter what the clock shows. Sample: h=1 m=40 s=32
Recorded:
h=11 m=16 s=19
